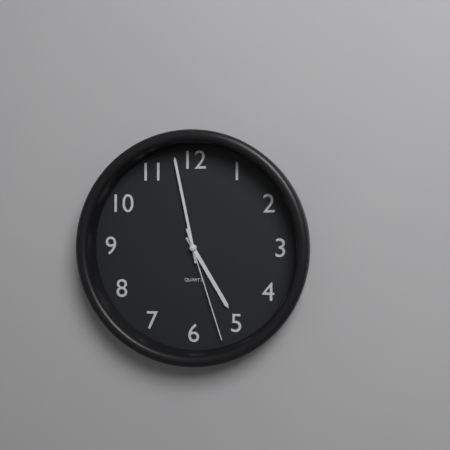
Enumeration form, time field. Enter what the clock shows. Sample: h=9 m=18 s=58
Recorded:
h=4 m=58 s=27
